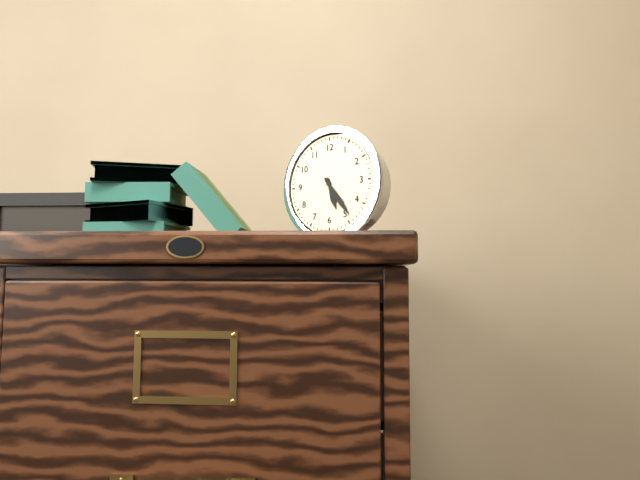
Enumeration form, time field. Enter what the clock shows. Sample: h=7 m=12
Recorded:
h=5 m=24
